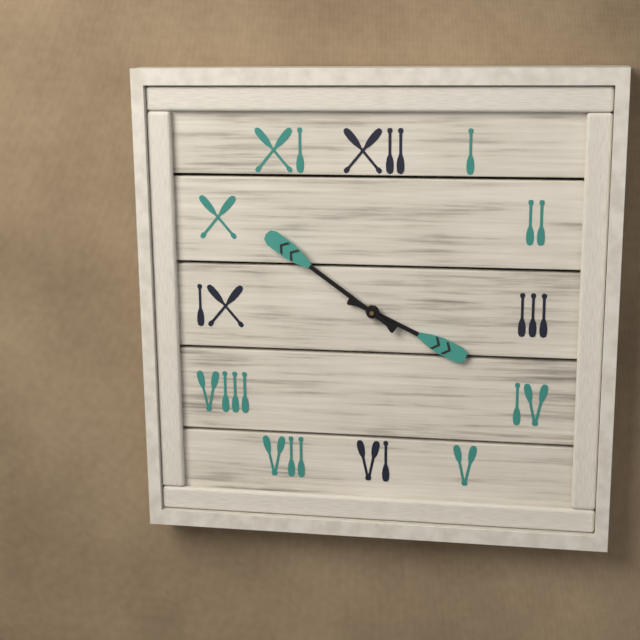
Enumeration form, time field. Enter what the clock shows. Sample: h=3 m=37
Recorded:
h=3 m=51
